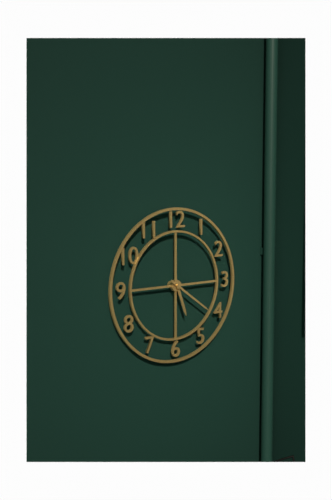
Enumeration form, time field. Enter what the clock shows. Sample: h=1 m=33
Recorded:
h=5 m=21
